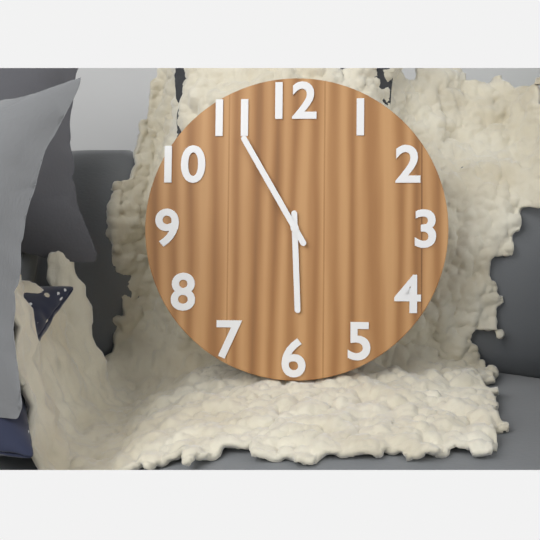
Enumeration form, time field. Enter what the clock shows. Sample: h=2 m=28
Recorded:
h=5 m=55
